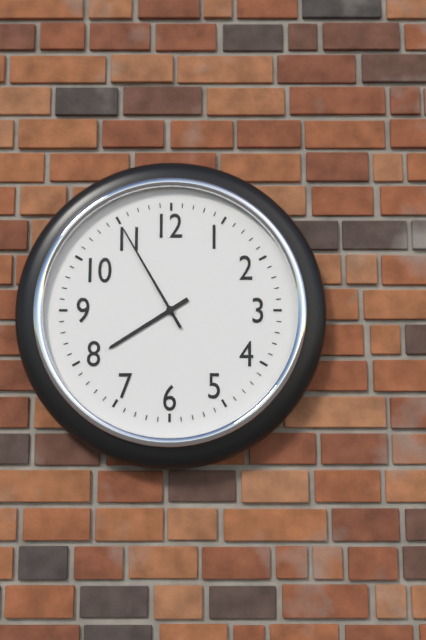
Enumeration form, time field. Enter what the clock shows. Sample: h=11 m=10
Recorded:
h=7 m=55
